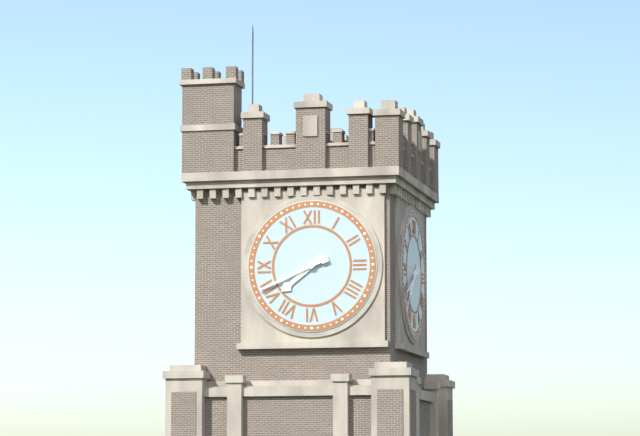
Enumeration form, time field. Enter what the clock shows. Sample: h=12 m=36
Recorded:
h=7 m=41
